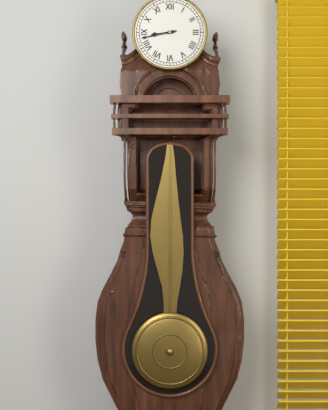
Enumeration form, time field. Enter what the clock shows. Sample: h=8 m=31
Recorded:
h=8 m=43
